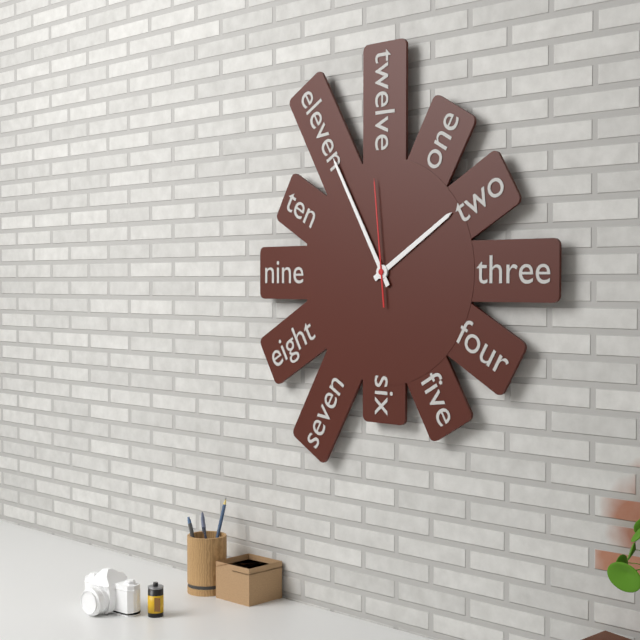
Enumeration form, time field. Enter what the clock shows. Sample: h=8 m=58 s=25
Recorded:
h=1 m=55 s=59
